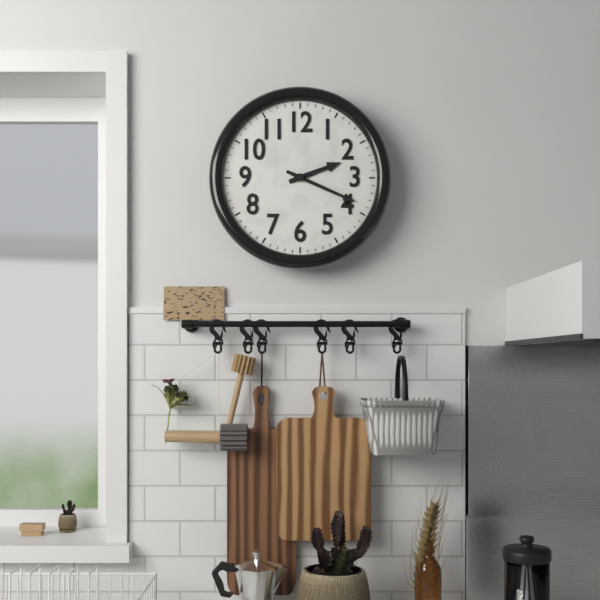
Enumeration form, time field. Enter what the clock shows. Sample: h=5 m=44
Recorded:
h=2 m=19
